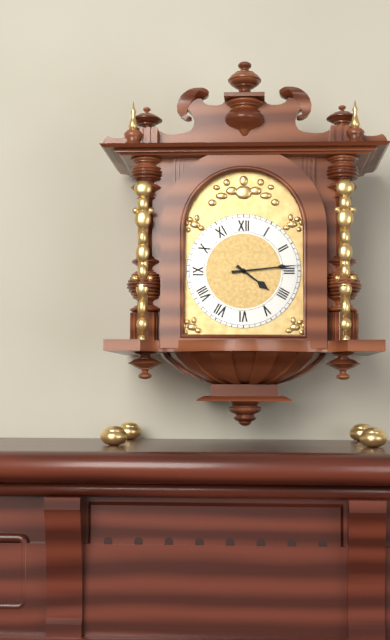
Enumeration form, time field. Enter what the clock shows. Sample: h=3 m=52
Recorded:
h=4 m=14
